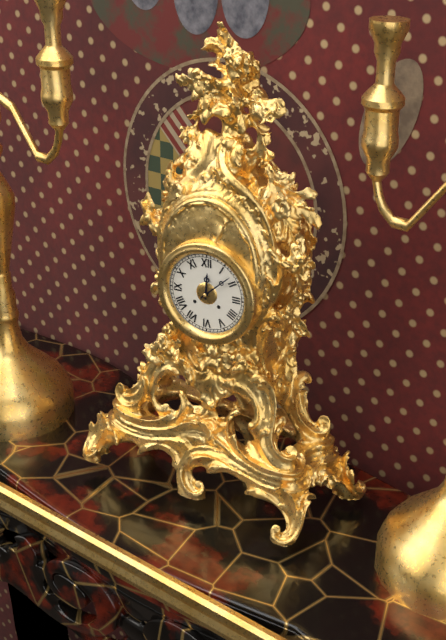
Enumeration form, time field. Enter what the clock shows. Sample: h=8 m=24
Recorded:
h=12 m=8
